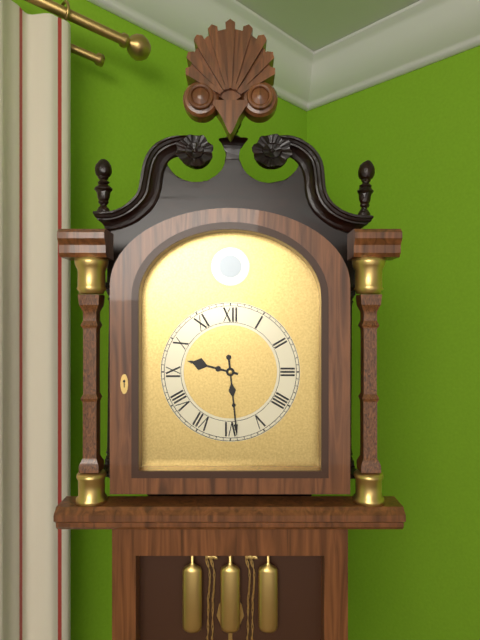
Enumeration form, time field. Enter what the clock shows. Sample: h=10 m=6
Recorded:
h=9 m=29
